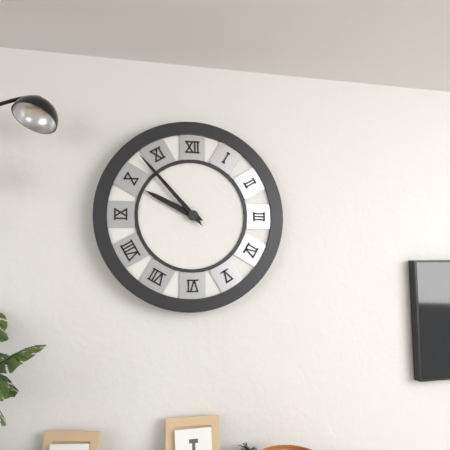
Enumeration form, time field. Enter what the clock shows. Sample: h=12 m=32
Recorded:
h=9 m=53
